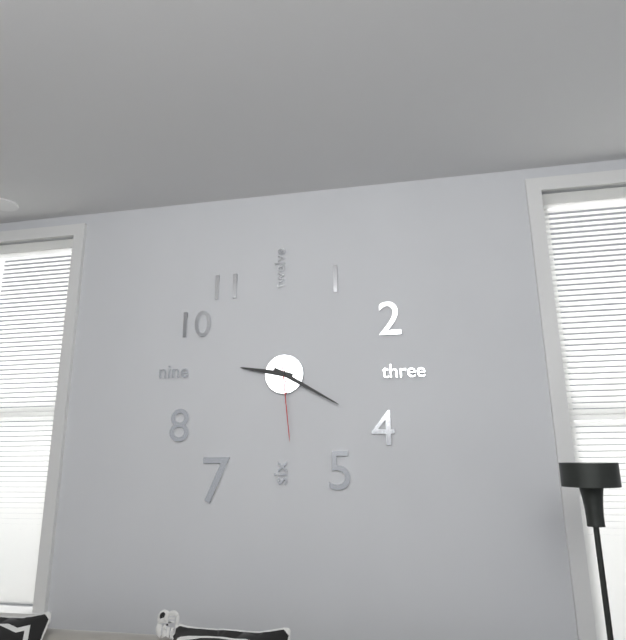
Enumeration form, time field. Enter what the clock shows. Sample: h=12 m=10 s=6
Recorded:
h=9 m=20 s=29
